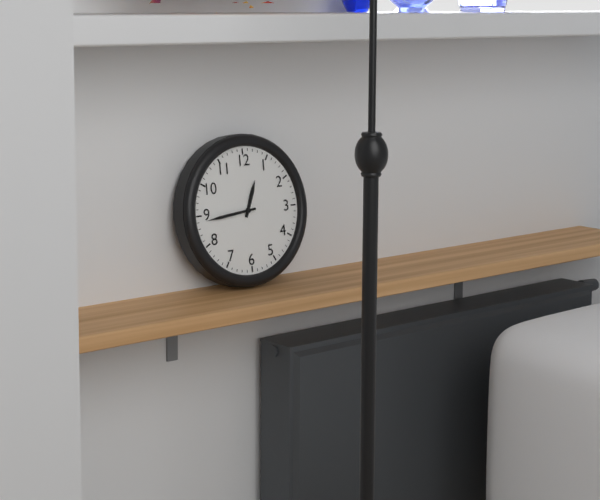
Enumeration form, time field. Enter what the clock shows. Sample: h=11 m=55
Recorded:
h=12 m=44
